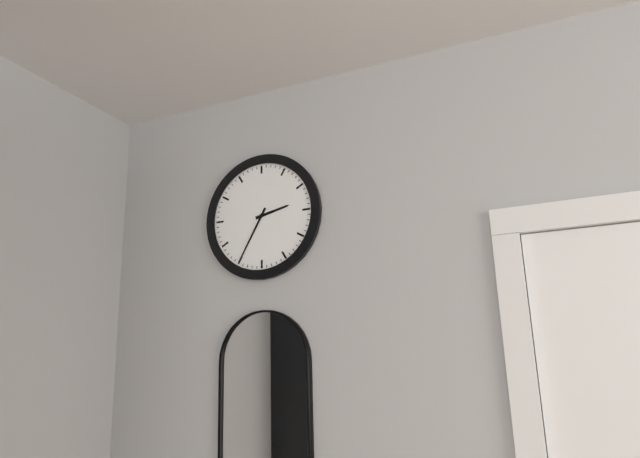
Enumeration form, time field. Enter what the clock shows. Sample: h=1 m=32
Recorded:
h=2 m=35
